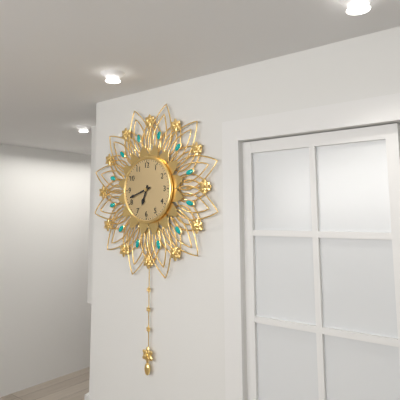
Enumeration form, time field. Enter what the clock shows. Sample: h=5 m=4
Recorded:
h=6 m=42
